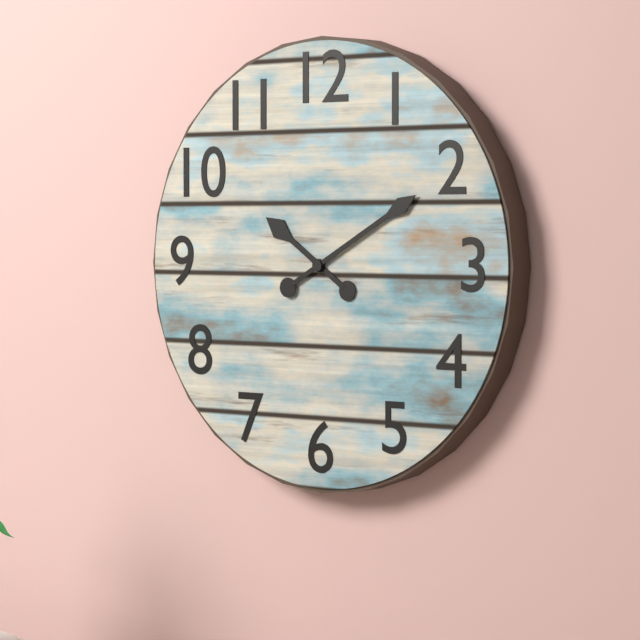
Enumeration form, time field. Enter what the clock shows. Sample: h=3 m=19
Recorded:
h=10 m=10
